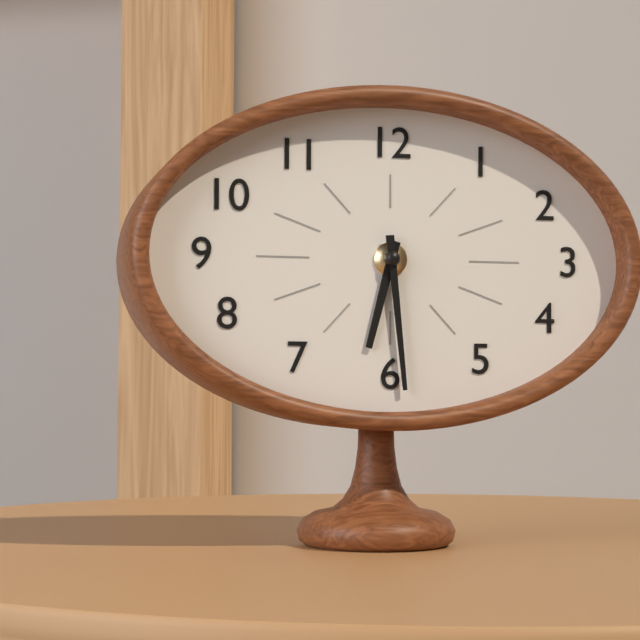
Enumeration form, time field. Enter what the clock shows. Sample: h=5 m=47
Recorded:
h=6 m=29
